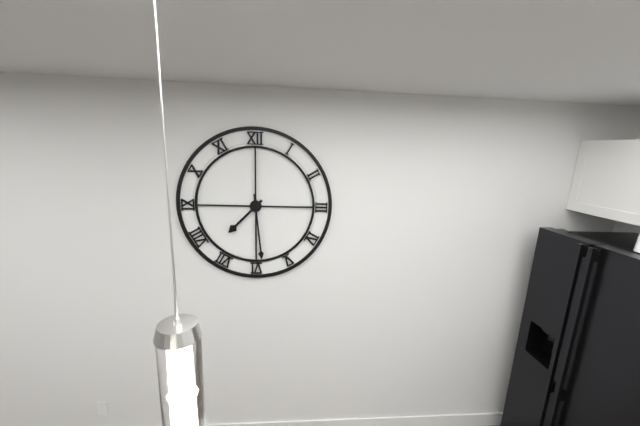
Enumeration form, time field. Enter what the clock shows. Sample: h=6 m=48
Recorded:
h=7 m=29
